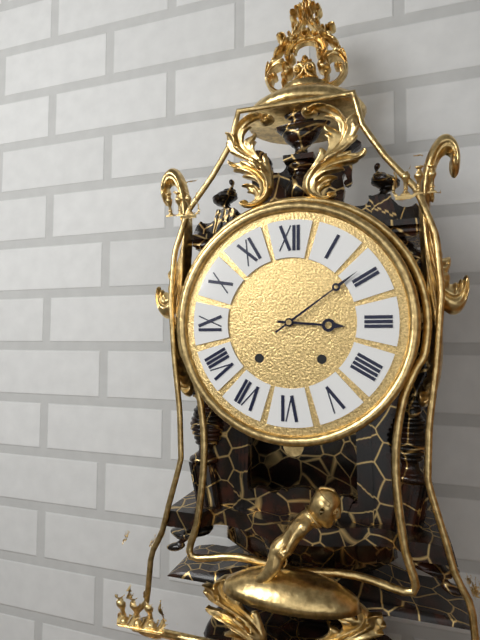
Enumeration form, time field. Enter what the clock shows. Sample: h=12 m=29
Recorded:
h=3 m=9
